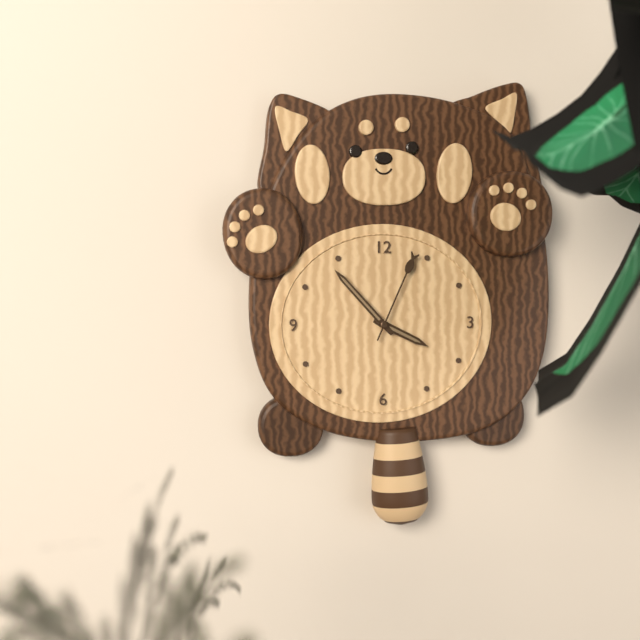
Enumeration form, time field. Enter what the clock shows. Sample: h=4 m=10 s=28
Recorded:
h=3 m=53 s=4
